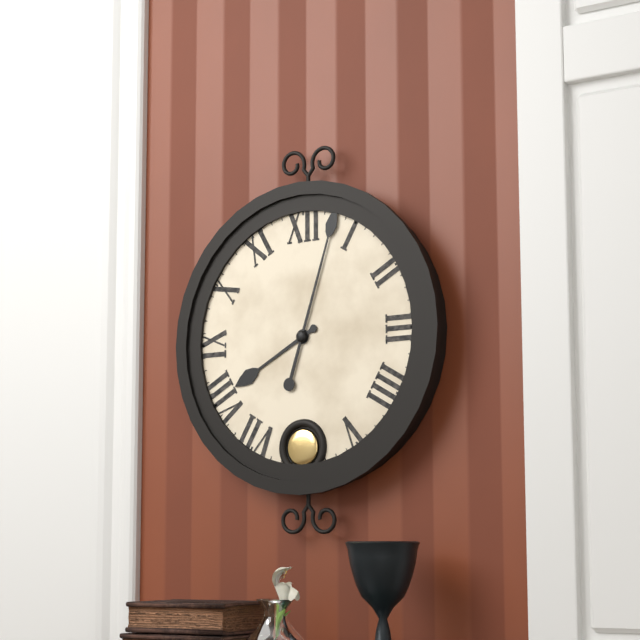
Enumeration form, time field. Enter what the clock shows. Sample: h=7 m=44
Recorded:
h=8 m=3
